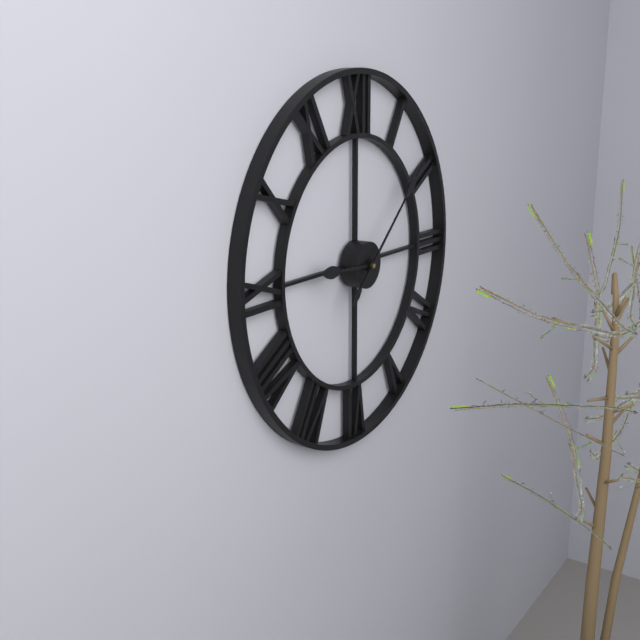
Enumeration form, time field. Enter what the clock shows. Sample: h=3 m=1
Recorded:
h=9 m=8
